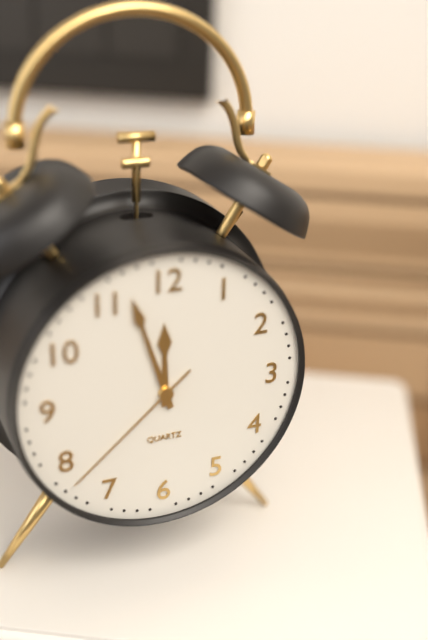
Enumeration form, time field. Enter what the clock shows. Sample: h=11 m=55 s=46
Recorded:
h=11 m=57 s=38
